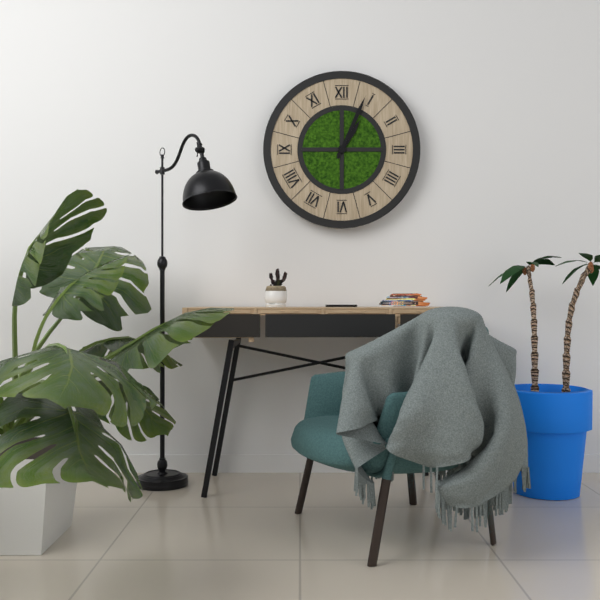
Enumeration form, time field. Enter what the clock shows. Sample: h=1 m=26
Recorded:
h=1 m=4
